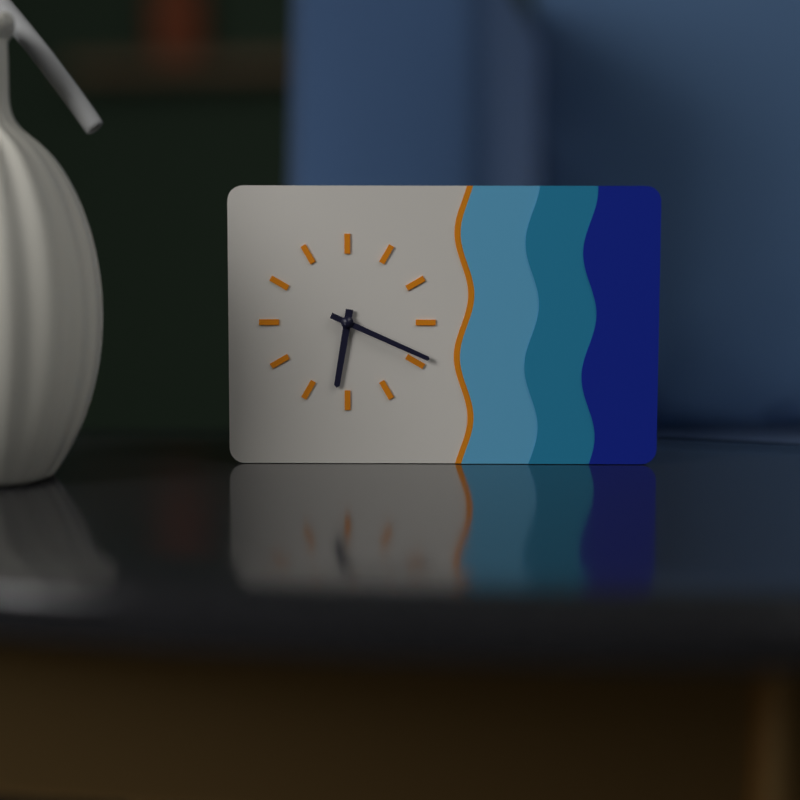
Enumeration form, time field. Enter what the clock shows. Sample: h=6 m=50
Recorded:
h=6 m=19
